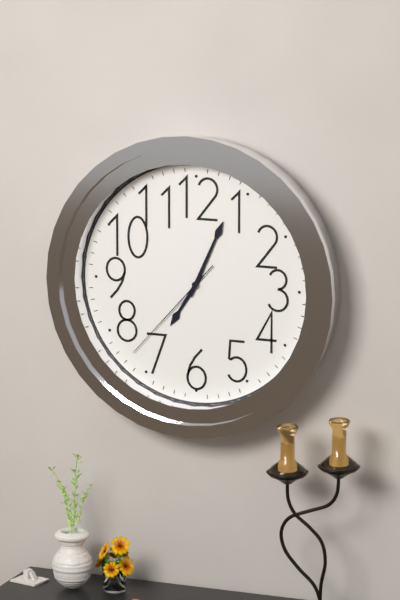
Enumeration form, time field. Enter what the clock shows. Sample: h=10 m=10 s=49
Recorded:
h=7 m=4 s=37
